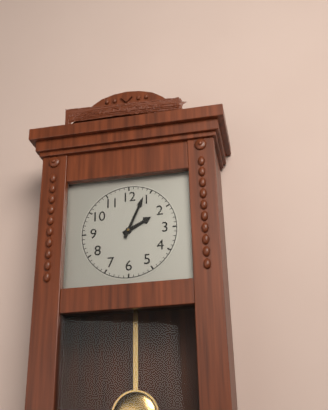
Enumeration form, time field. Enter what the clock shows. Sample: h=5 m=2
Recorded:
h=2 m=4
